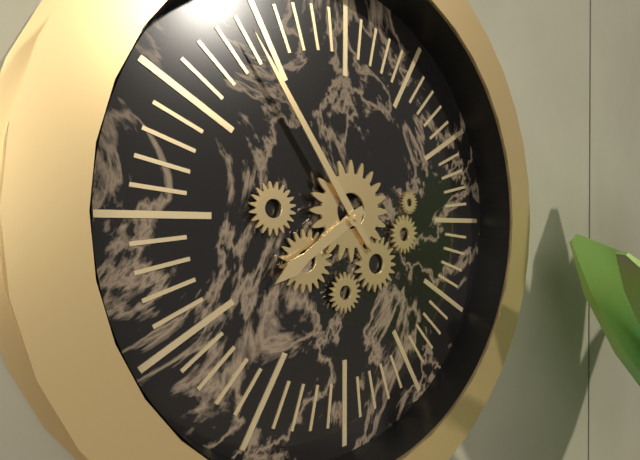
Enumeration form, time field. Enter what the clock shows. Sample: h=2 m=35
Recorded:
h=7 m=54
